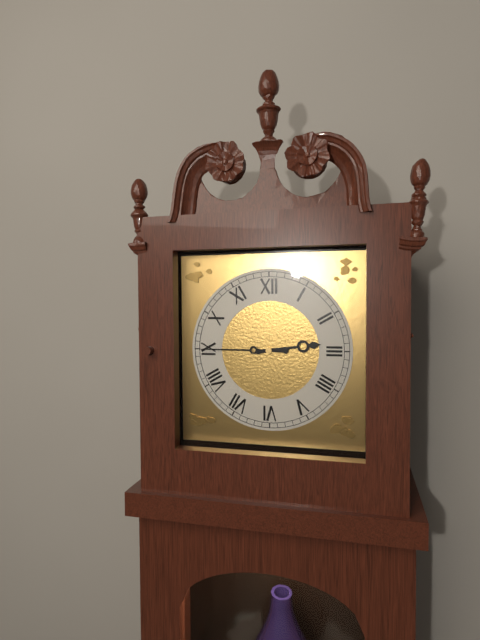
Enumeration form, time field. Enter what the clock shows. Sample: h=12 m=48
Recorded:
h=2 m=45
